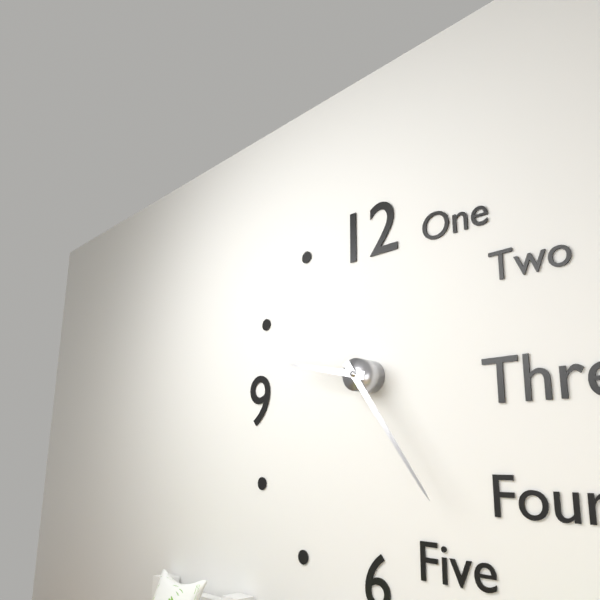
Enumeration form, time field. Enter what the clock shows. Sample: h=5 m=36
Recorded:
h=9 m=24
